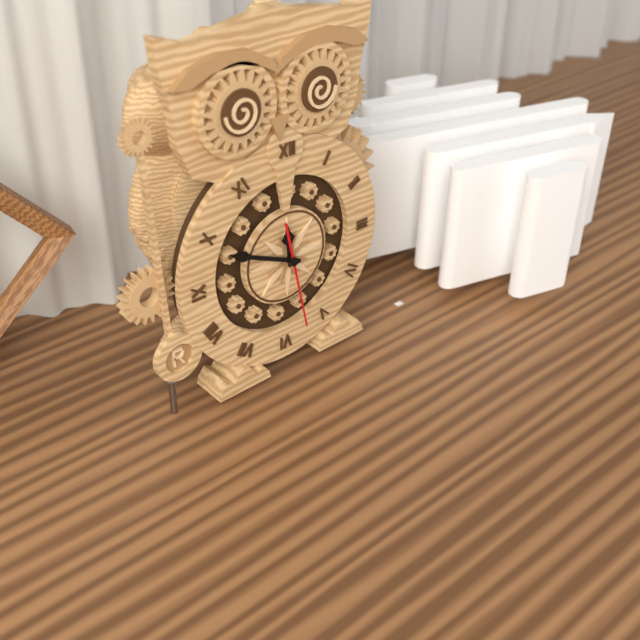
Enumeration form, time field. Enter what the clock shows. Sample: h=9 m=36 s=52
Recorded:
h=11 m=49 s=28
